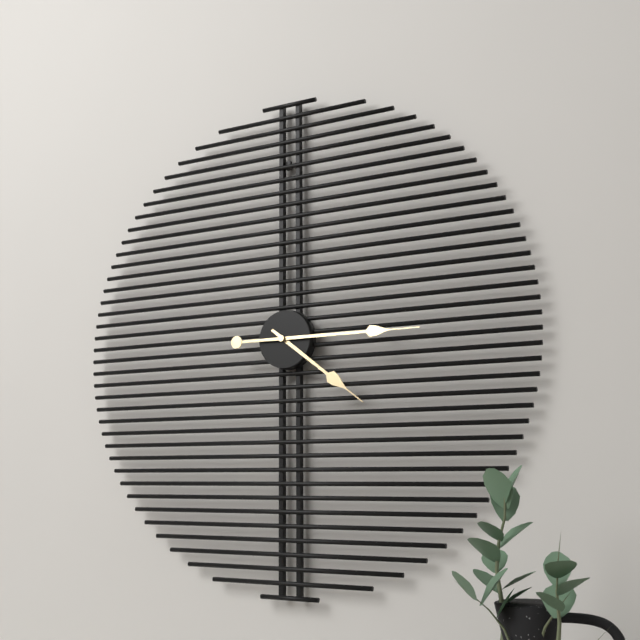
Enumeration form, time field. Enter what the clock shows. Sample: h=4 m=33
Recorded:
h=4 m=15
